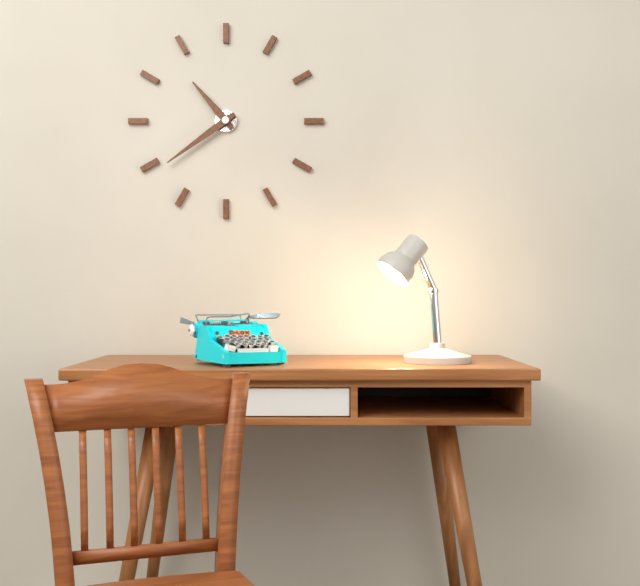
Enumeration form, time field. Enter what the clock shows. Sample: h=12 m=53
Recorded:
h=10 m=39
